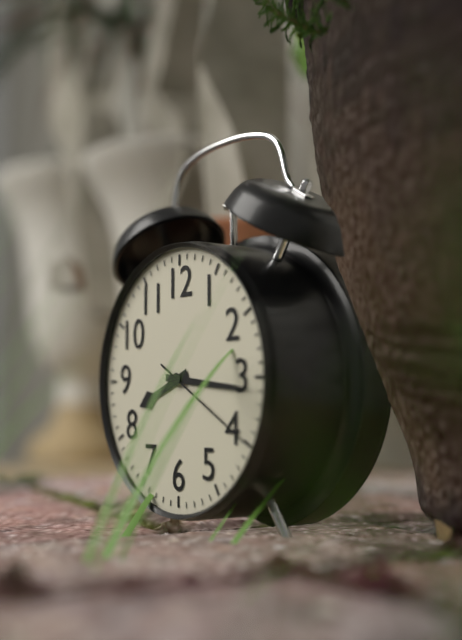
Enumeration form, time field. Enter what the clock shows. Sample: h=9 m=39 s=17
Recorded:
h=8 m=16 s=20
